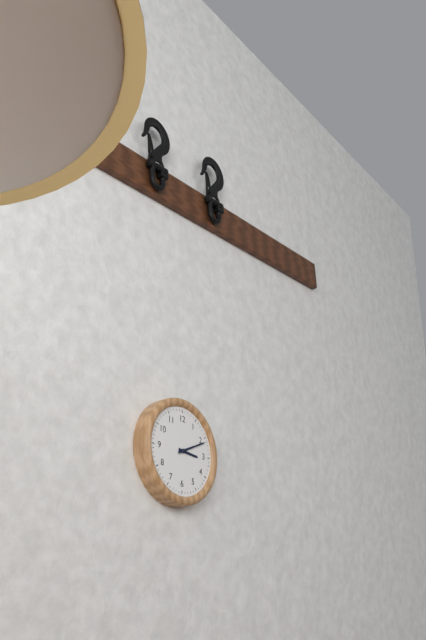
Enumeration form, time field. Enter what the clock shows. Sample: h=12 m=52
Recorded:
h=3 m=11
